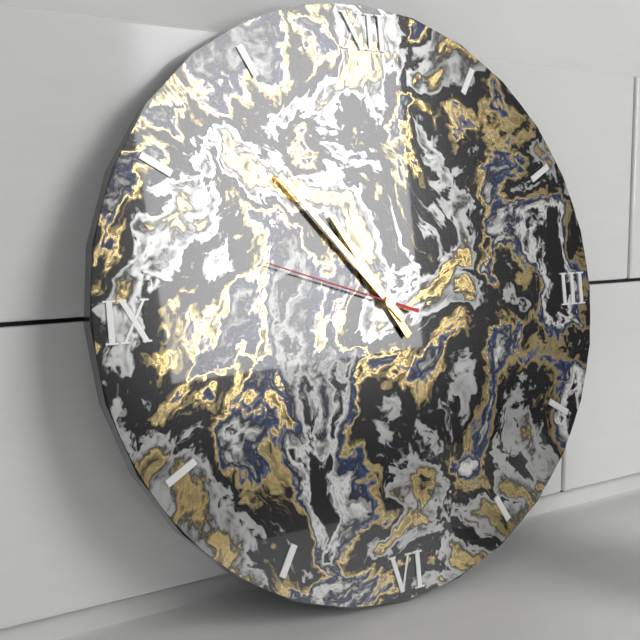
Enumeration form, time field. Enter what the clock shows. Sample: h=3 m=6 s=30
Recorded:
h=10 m=53 s=48
